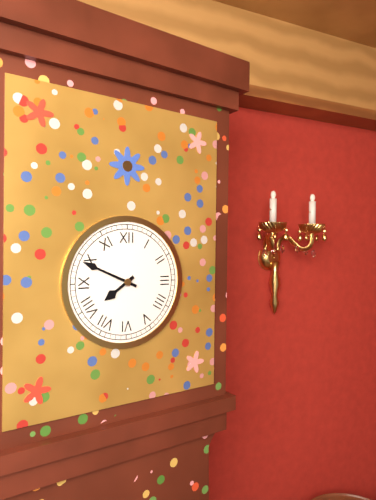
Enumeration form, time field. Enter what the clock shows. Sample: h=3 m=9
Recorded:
h=7 m=49
